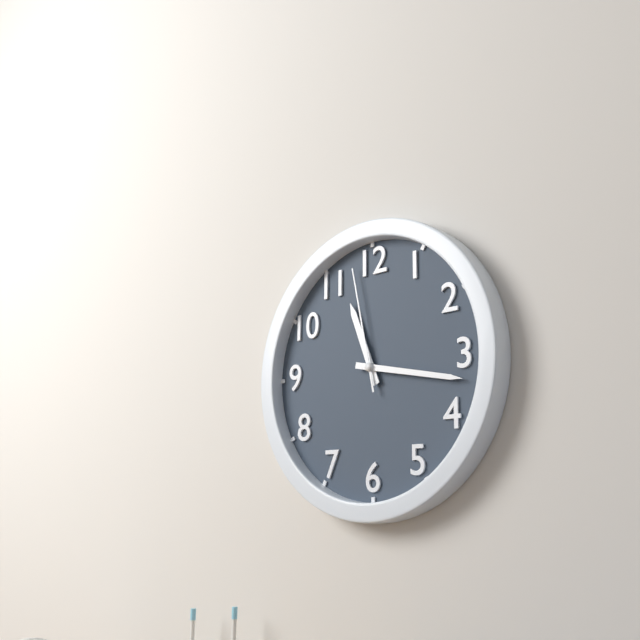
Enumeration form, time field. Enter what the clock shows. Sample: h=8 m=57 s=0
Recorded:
h=11 m=17 s=58
